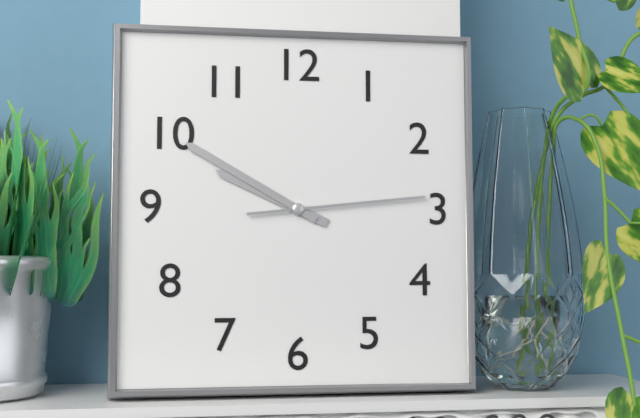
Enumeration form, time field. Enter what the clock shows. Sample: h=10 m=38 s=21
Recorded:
h=9 m=50 s=14
